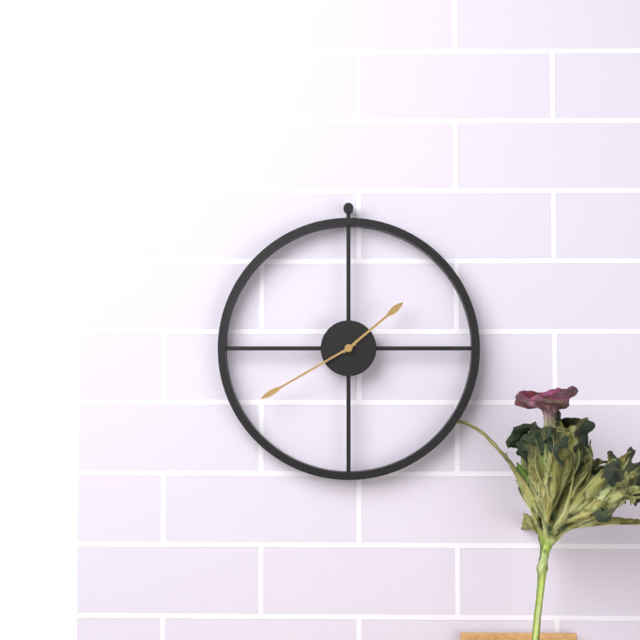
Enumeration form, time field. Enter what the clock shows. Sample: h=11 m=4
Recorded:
h=1 m=40
